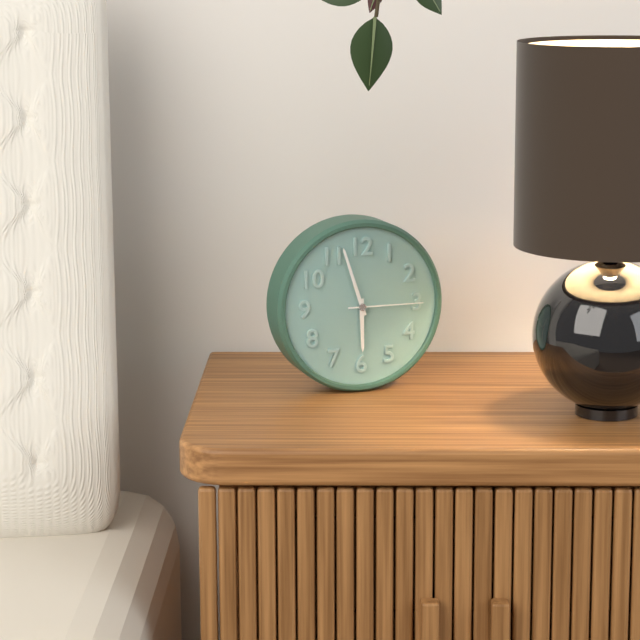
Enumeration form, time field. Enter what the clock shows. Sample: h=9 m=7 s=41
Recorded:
h=5 m=57 s=15
